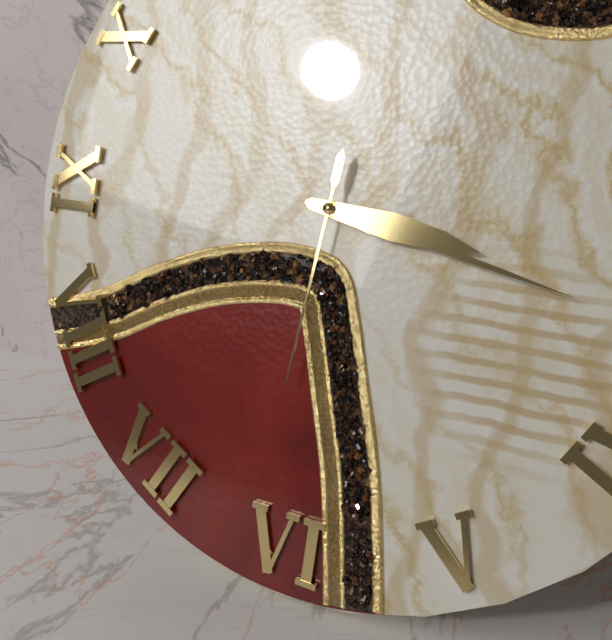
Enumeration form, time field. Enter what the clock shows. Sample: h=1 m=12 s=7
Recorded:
h=3 m=17 s=31
